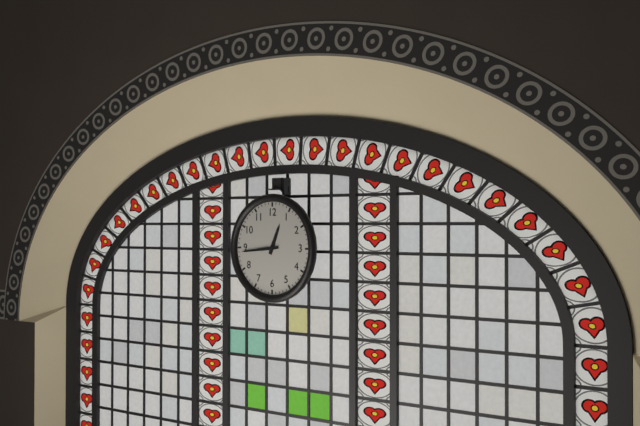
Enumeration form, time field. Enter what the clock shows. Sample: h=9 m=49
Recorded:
h=12 m=44
